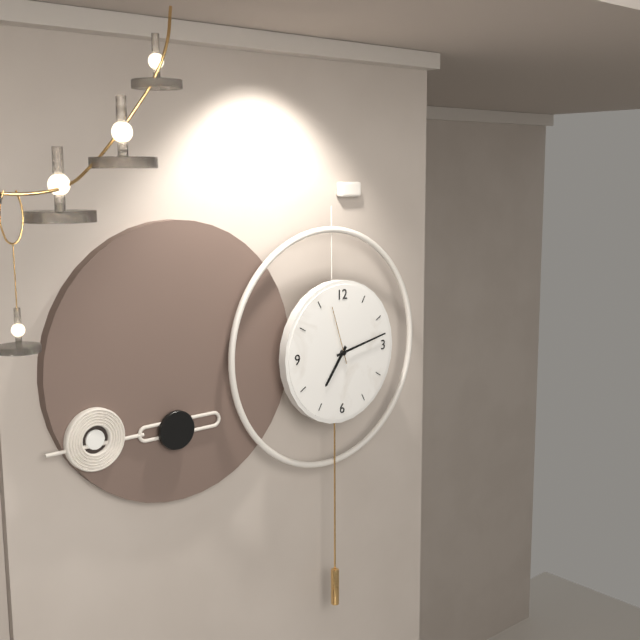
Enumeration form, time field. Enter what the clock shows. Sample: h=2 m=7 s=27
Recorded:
h=7 m=13 s=57
